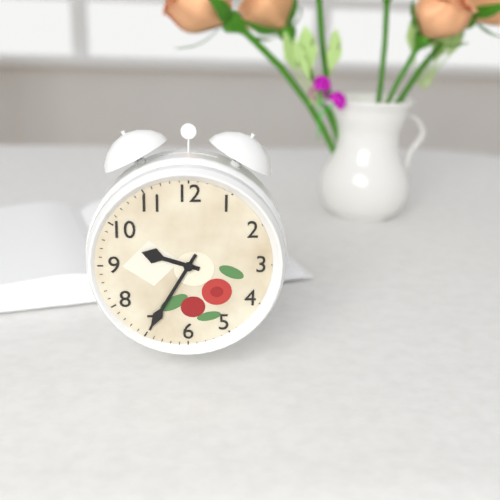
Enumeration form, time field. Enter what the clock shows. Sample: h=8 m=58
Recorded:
h=9 m=35
